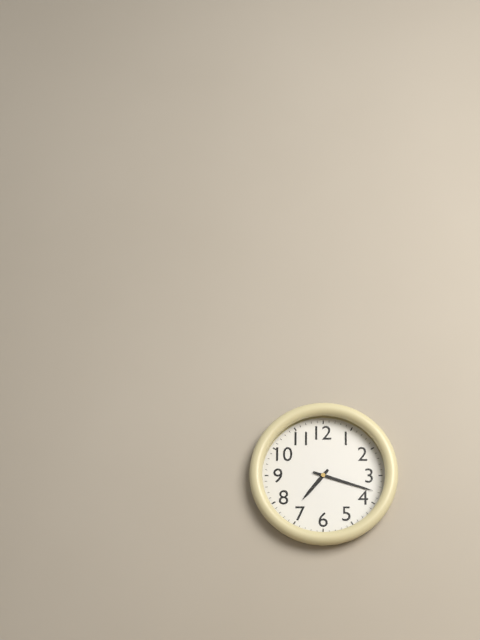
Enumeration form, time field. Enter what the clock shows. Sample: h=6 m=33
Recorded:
h=7 m=18
